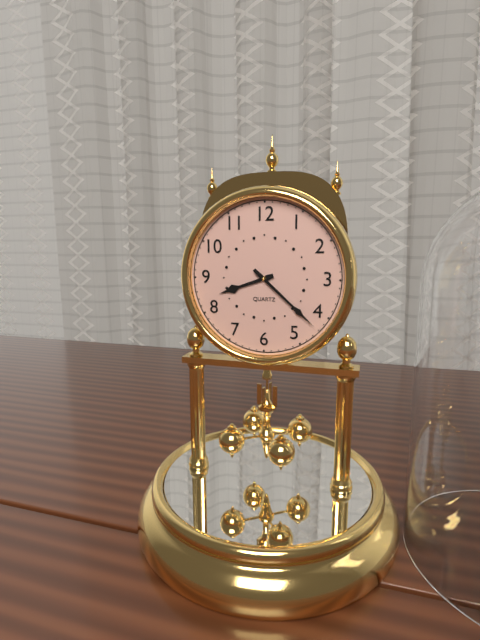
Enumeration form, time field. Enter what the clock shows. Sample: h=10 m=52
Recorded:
h=8 m=22
